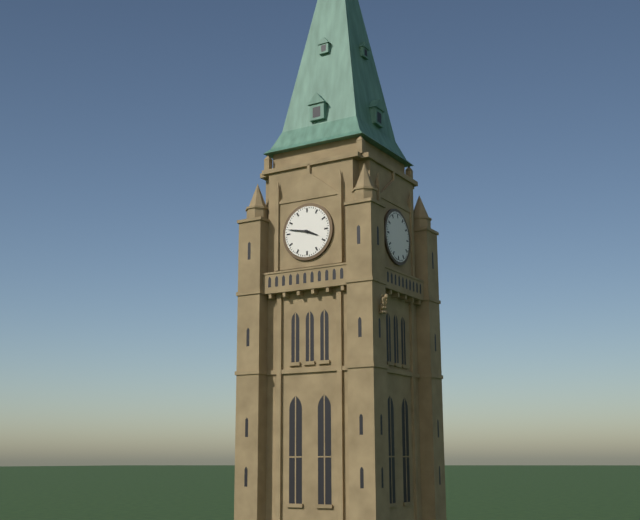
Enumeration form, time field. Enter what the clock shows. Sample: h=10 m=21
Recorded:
h=3 m=47
